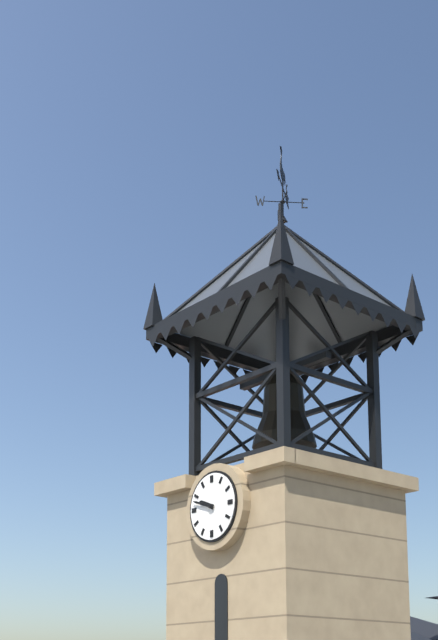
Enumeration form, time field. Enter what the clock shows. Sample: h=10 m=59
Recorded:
h=9 m=48
